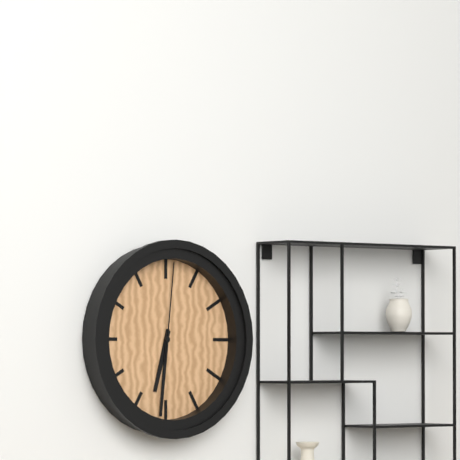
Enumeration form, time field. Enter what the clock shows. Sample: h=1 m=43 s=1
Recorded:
h=6 m=31 s=1
